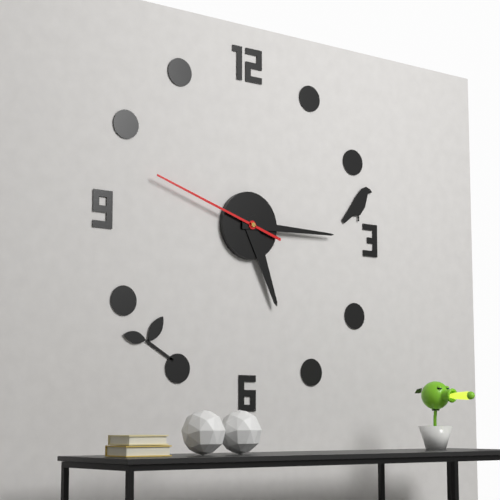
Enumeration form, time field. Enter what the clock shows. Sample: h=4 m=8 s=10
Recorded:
h=5 m=15 s=48
